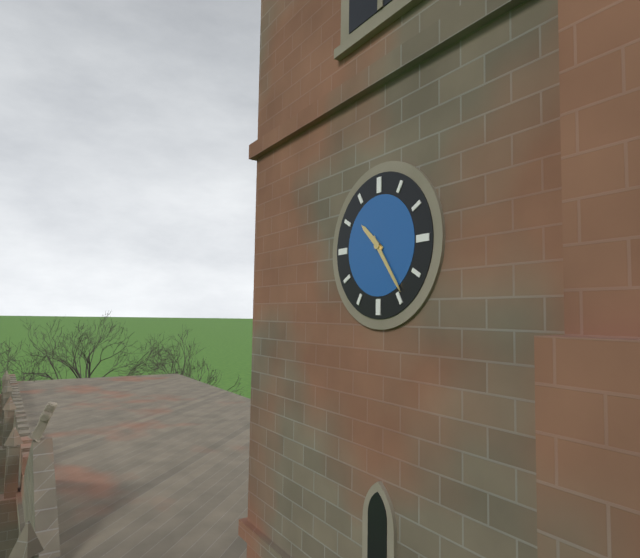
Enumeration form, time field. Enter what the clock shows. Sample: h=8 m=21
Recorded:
h=10 m=24
